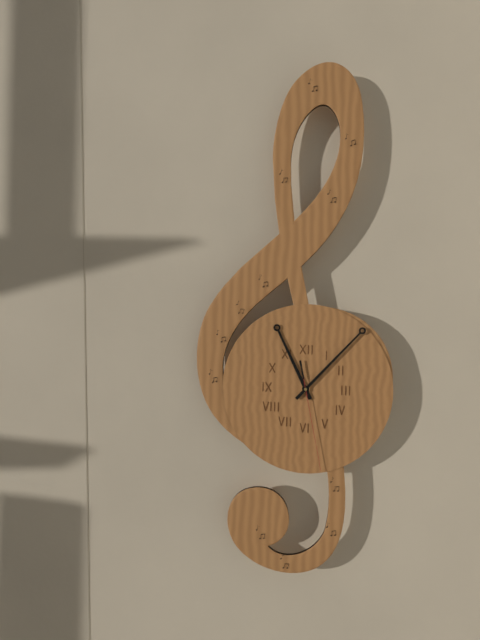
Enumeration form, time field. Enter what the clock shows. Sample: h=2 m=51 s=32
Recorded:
h=11 m=7 s=28
